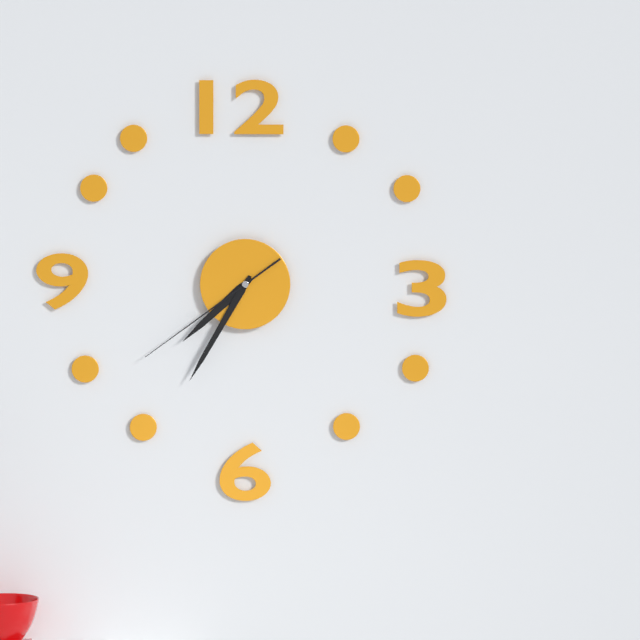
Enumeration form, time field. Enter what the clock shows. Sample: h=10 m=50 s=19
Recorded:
h=7 m=35 s=39
